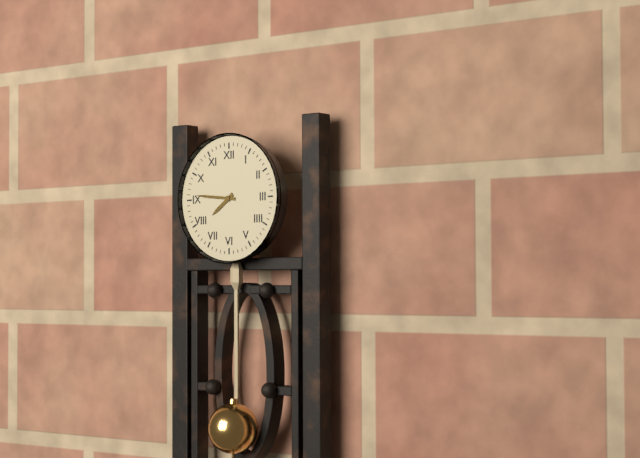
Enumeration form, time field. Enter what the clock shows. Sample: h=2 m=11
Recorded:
h=7 m=46
